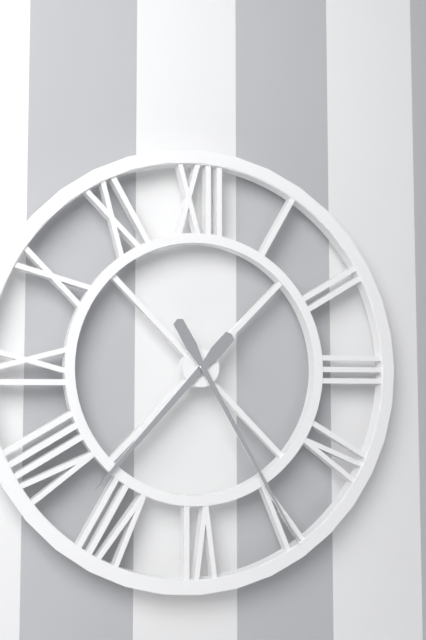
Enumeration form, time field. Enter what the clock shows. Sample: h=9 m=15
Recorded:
h=7 m=25
